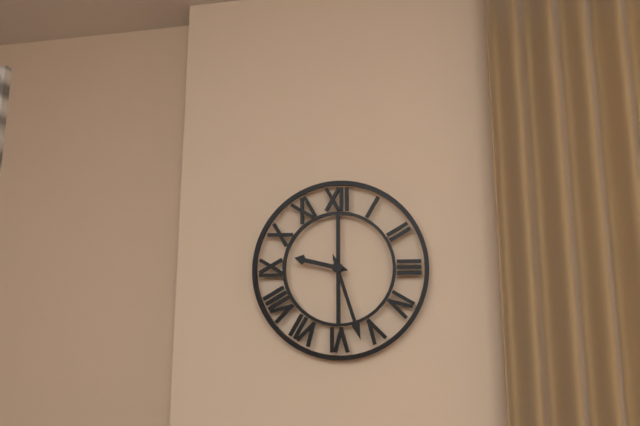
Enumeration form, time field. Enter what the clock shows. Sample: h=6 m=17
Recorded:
h=9 m=27
